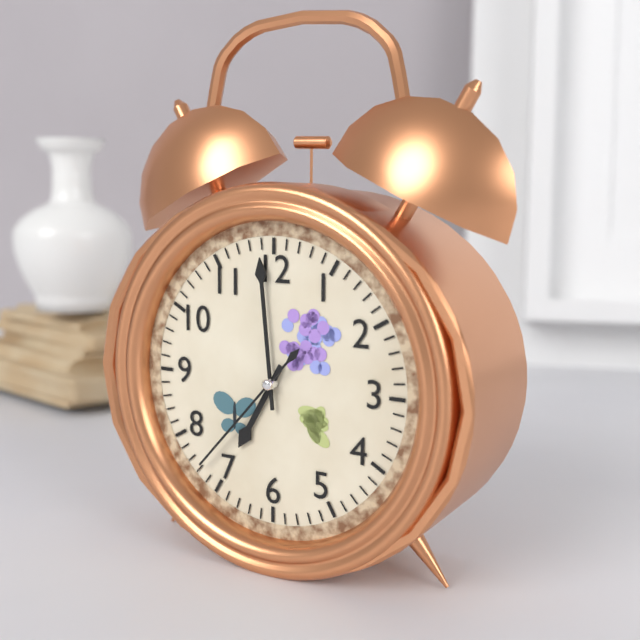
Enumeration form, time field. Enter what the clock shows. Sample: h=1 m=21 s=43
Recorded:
h=6 m=59 s=37
